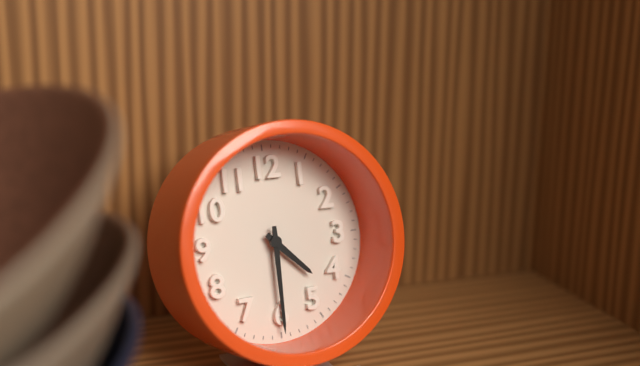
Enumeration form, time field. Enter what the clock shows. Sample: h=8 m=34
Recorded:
h=4 m=30
